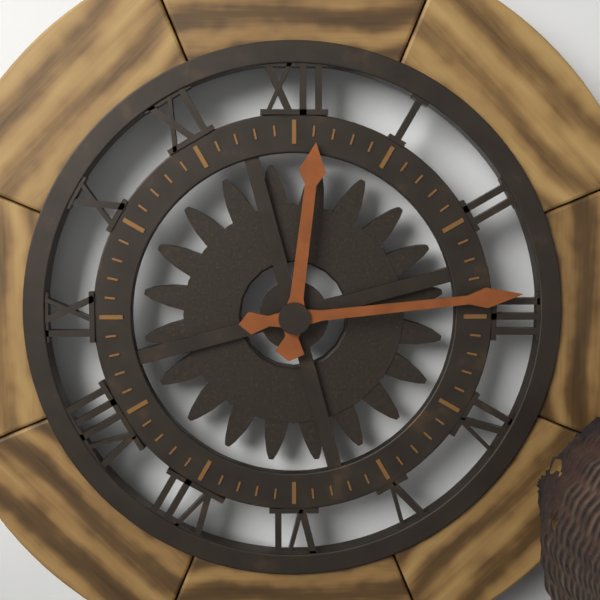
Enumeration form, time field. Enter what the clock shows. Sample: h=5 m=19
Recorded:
h=12 m=14
